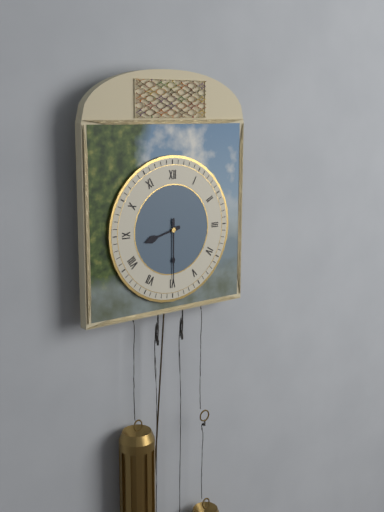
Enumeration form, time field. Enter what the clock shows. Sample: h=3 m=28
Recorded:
h=8 m=30
